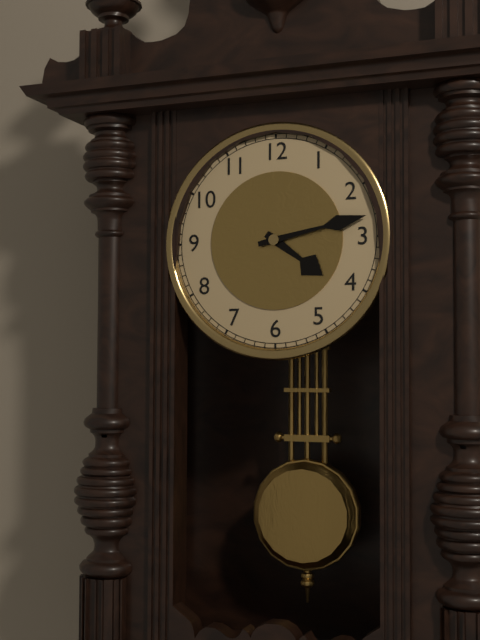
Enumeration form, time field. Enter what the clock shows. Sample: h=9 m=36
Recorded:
h=4 m=13
